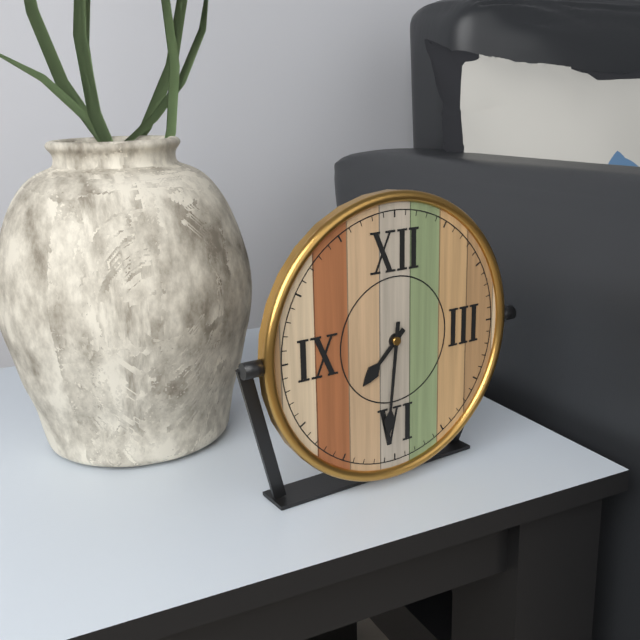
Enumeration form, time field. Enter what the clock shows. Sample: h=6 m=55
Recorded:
h=7 m=31
